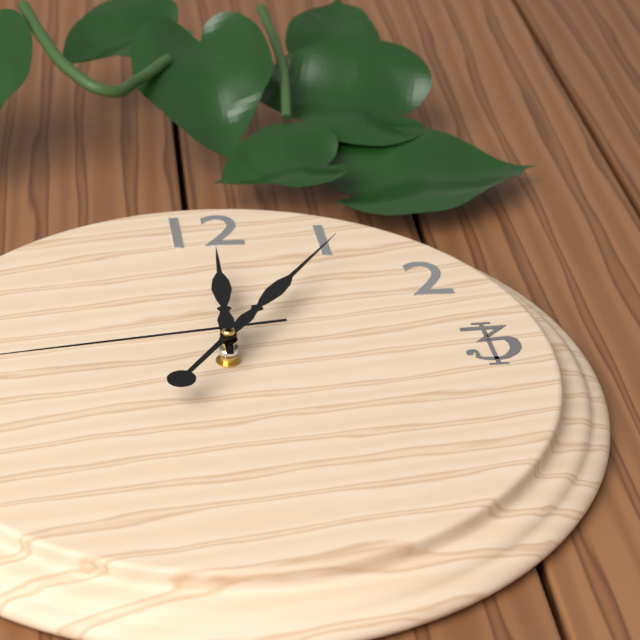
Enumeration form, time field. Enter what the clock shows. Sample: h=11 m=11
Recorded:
h=12 m=6
